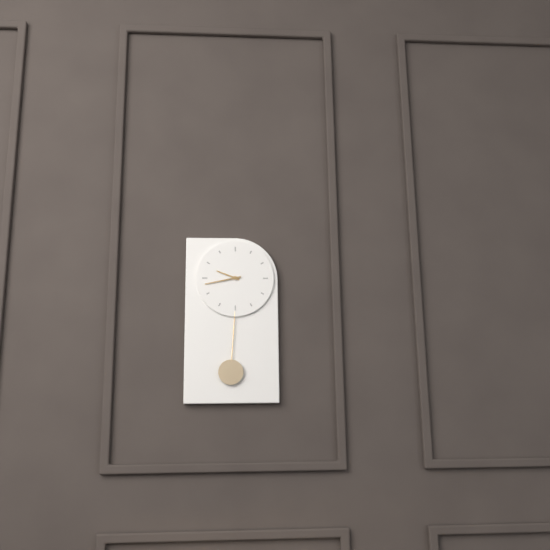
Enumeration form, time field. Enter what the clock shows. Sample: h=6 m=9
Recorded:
h=9 m=43
